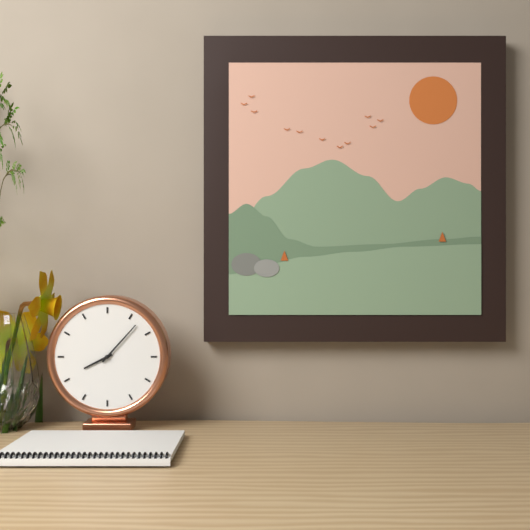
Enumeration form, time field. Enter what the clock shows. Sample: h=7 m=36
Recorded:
h=8 m=7
